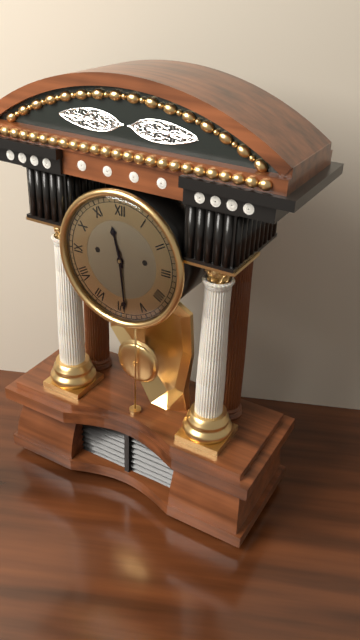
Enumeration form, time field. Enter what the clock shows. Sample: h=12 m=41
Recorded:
h=11 m=29
